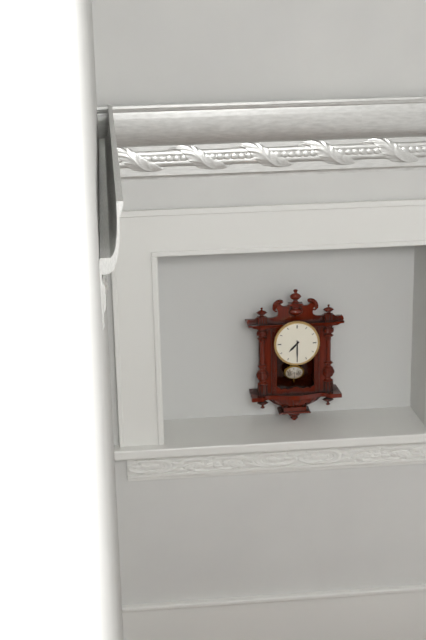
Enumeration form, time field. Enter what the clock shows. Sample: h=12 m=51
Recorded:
h=7 m=30
